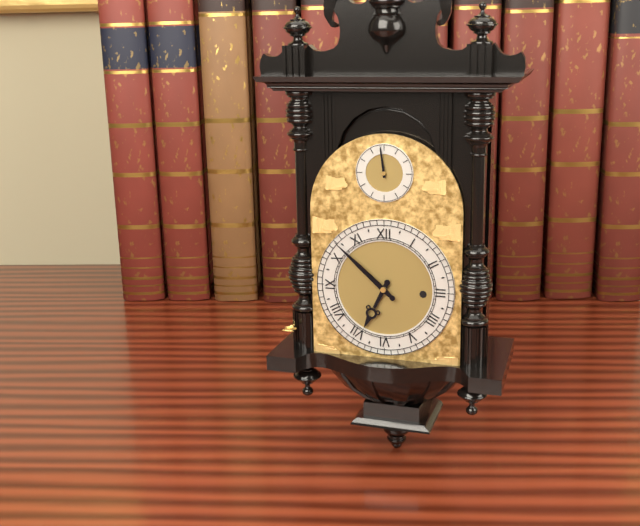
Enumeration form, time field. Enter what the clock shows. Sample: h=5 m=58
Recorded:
h=6 m=52
